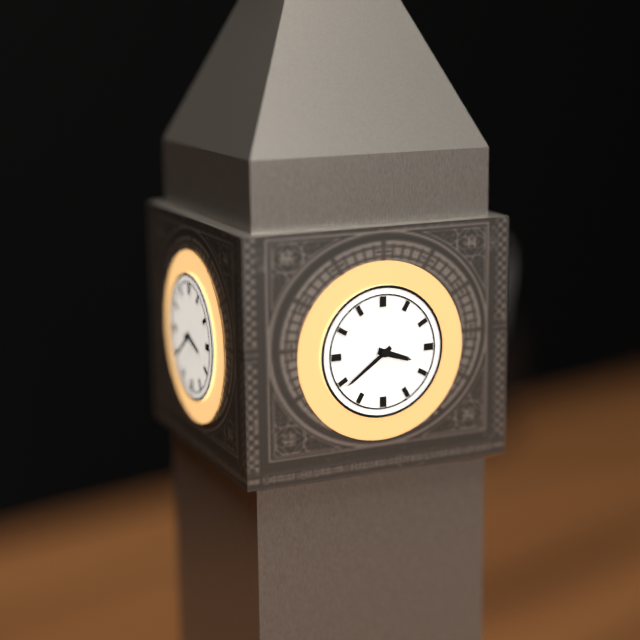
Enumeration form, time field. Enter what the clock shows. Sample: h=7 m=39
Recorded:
h=3 m=39
